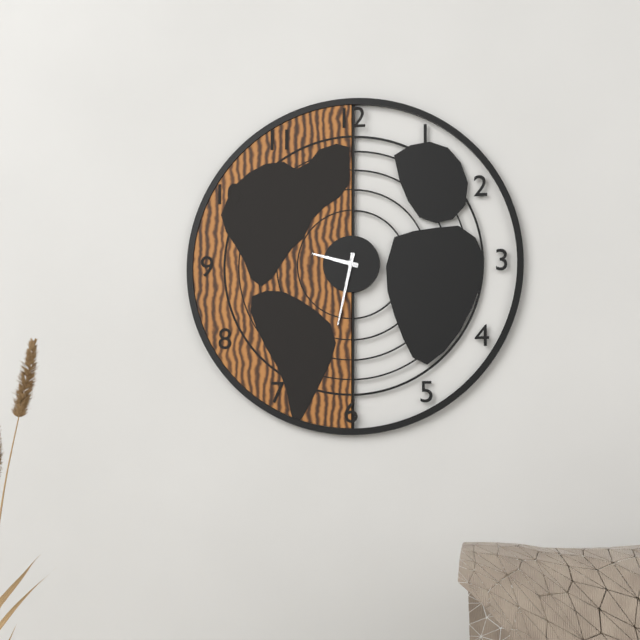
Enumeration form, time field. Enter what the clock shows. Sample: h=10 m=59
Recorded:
h=9 m=32
